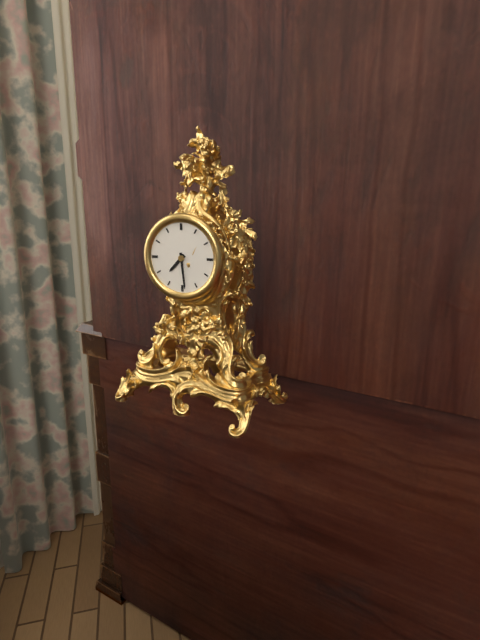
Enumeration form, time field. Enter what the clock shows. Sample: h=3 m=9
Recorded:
h=7 m=29
